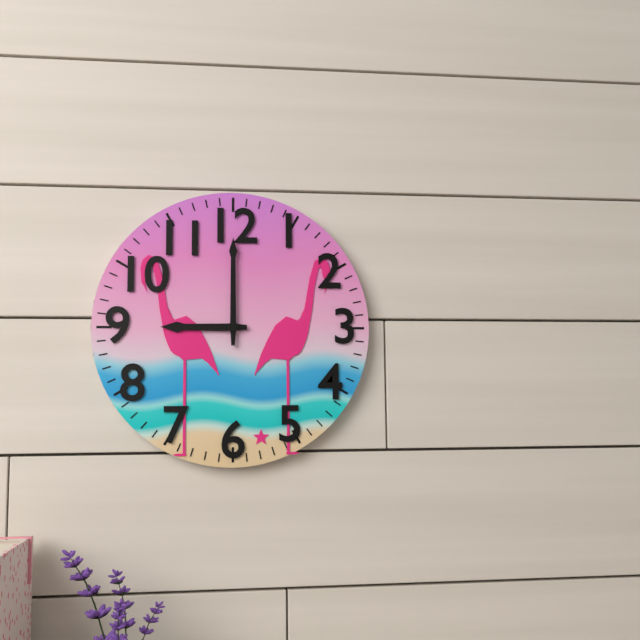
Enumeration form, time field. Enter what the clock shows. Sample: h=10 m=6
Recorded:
h=9 m=0
